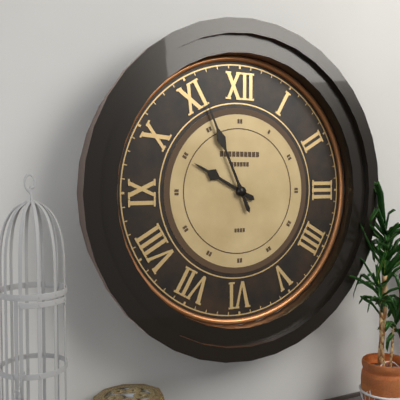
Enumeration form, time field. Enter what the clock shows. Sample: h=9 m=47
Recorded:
h=9 m=56
